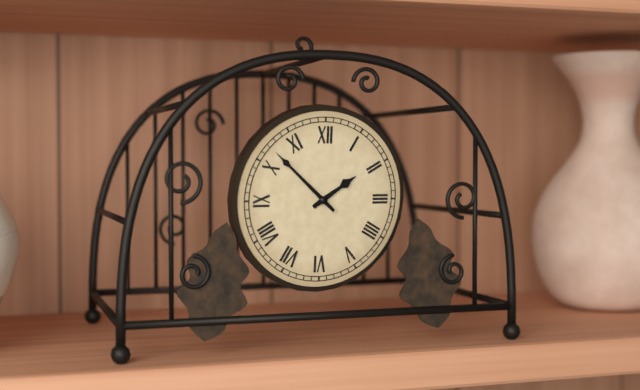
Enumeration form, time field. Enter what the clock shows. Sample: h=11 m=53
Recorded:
h=1 m=52
